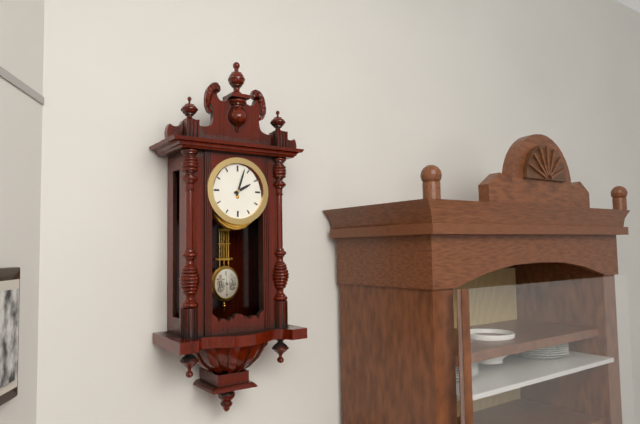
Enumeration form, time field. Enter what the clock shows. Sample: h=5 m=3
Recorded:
h=2 m=3
